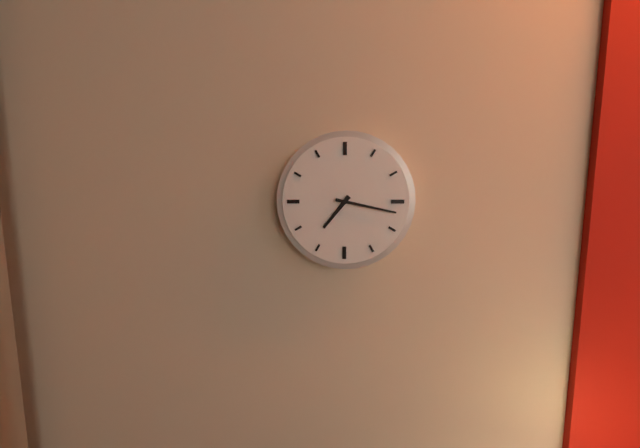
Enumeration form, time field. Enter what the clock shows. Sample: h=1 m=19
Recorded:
h=7 m=17
